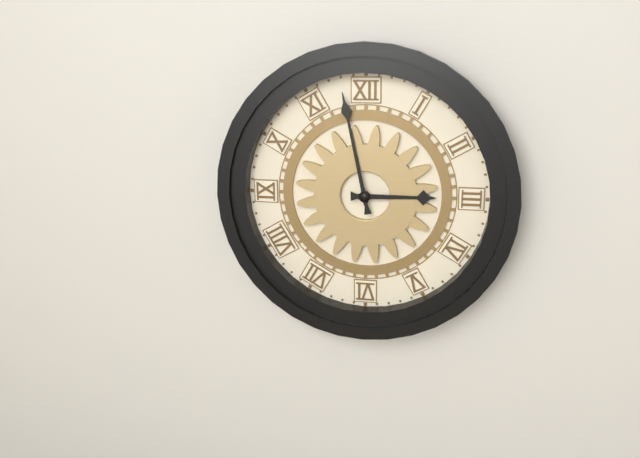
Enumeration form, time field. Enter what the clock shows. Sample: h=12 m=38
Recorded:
h=2 m=58
